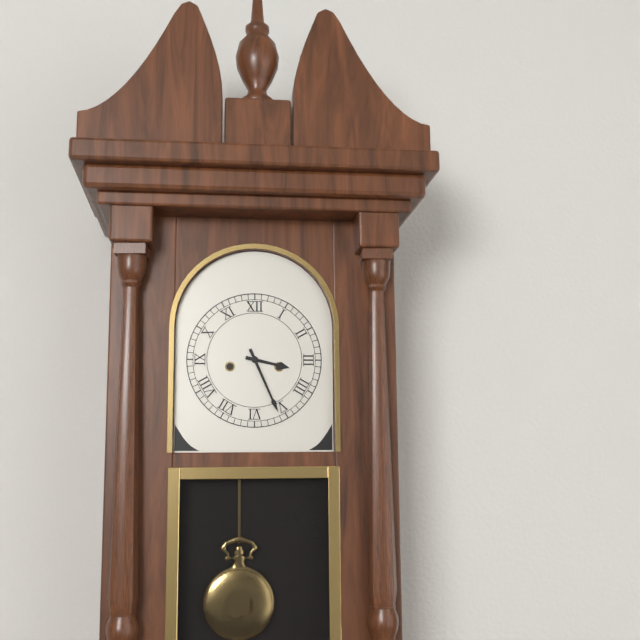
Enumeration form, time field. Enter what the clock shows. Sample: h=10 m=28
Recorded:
h=3 m=26
